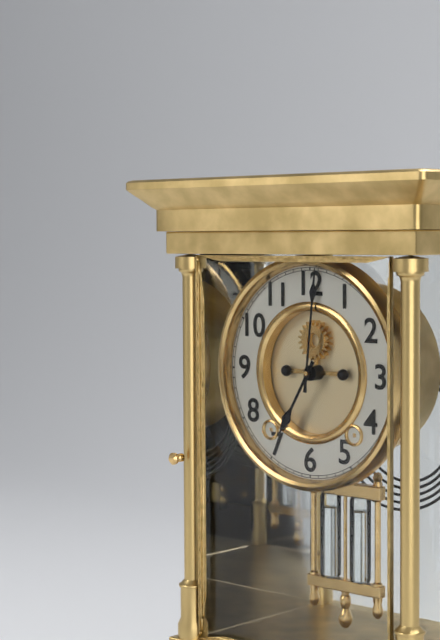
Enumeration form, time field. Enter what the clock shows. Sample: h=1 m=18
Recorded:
h=7 m=1
